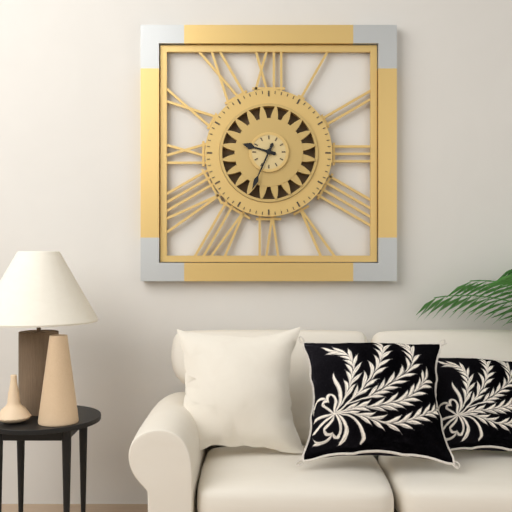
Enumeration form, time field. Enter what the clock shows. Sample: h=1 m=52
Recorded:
h=9 m=34
